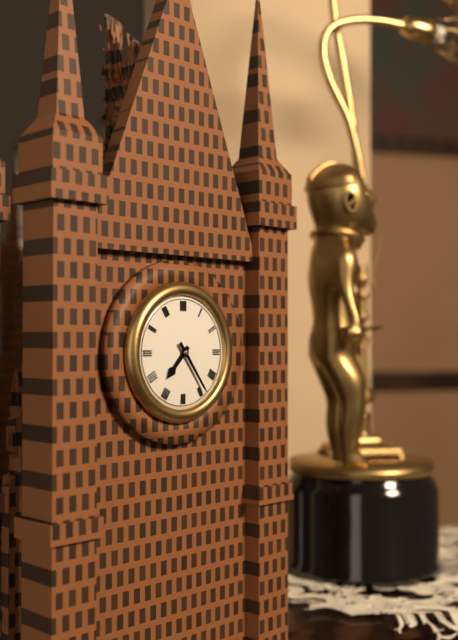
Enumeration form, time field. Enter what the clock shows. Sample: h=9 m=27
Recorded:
h=7 m=24
